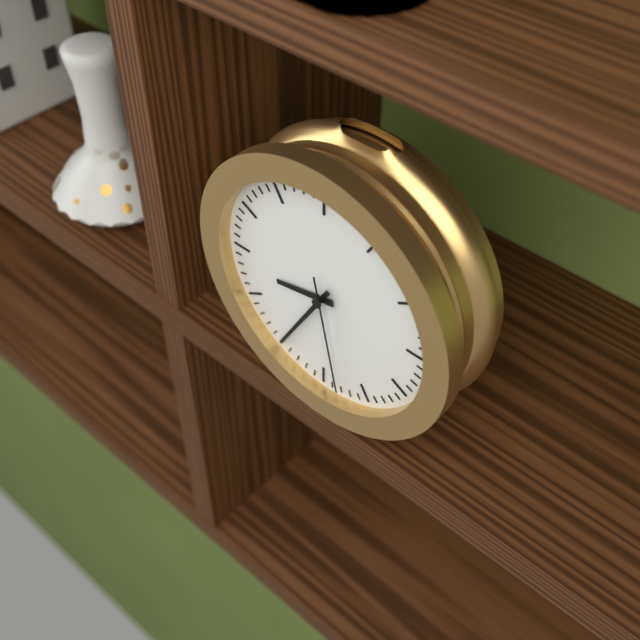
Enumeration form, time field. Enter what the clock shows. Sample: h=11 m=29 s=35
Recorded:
h=8 m=35 s=28
